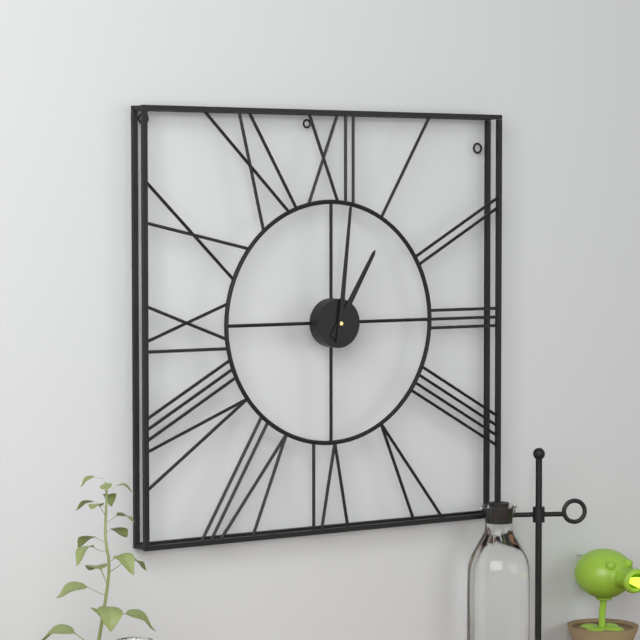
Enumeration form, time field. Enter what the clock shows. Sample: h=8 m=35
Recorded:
h=1 m=1
